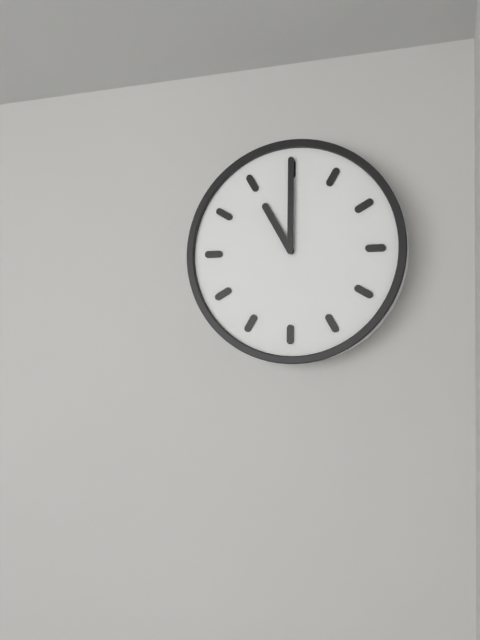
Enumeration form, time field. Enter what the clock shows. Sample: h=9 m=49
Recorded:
h=11 m=0
